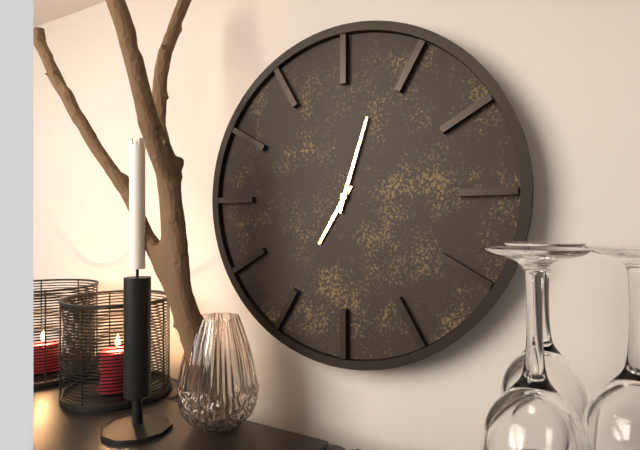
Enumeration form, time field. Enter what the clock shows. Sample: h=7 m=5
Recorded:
h=7 m=3
